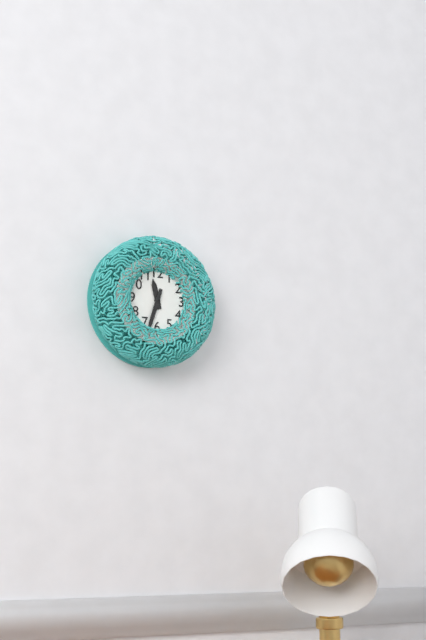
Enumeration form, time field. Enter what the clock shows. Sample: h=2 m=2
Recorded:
h=11 m=33
